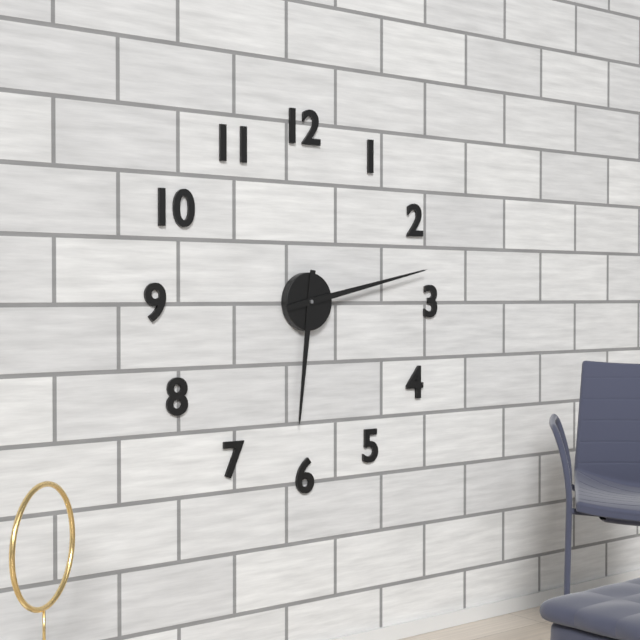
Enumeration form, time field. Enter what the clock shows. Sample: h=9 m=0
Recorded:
h=6 m=13
